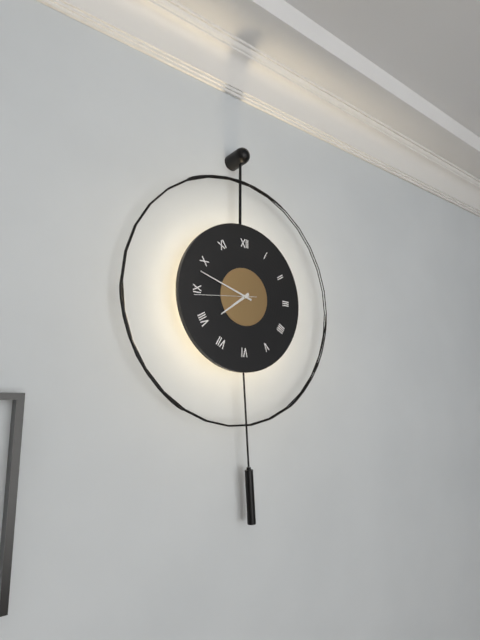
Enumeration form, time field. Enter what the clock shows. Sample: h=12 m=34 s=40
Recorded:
h=7 m=48 s=44
